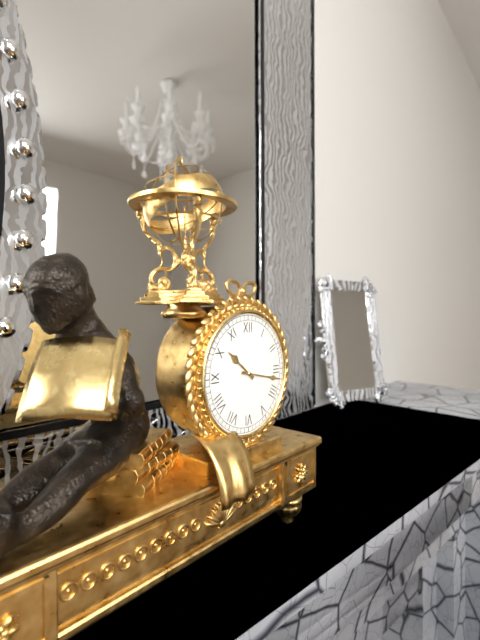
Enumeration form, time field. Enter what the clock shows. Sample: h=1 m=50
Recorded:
h=10 m=17
